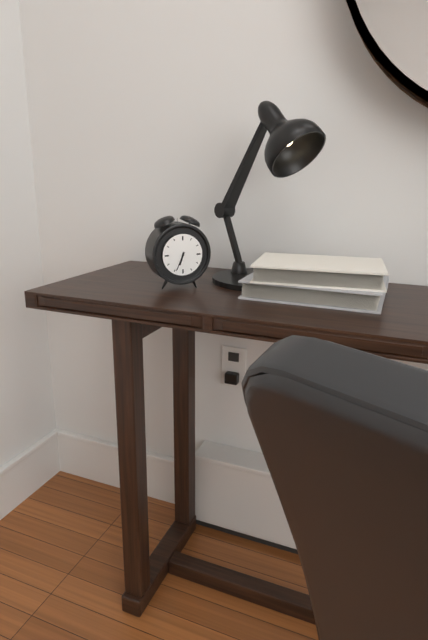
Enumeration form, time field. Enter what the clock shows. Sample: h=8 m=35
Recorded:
h=6 m=34
